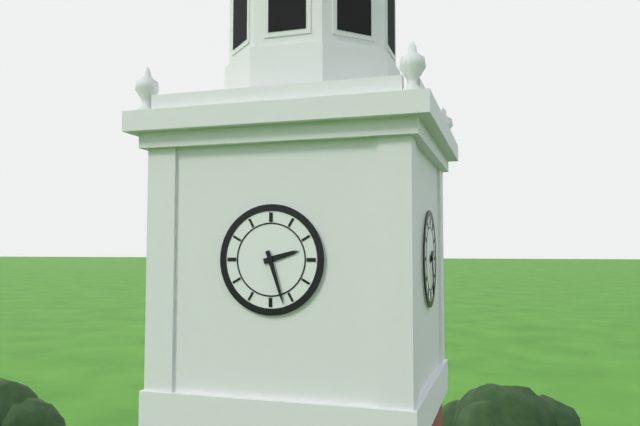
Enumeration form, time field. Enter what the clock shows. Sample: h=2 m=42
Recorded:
h=2 m=27
